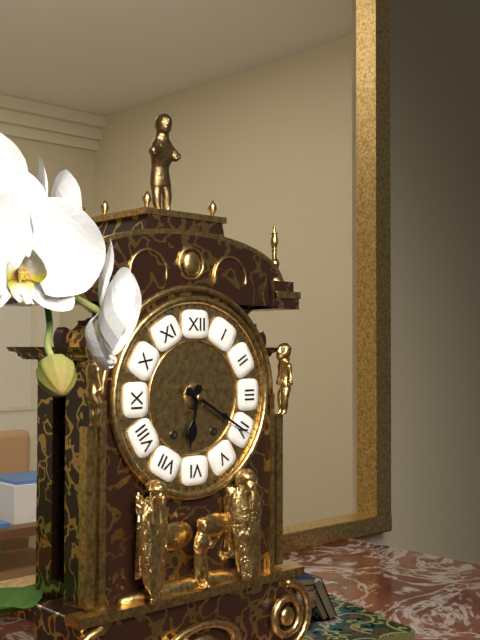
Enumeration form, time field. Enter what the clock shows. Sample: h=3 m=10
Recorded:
h=6 m=20
